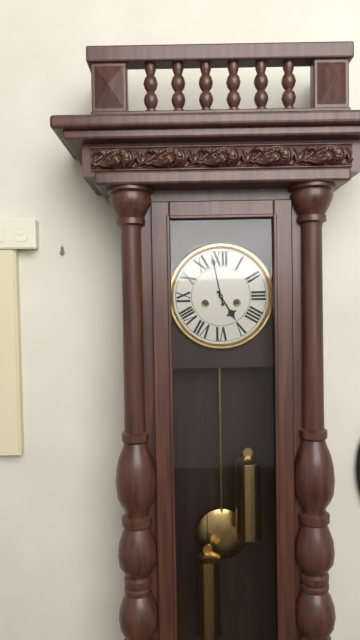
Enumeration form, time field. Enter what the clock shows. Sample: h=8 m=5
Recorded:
h=4 m=58
